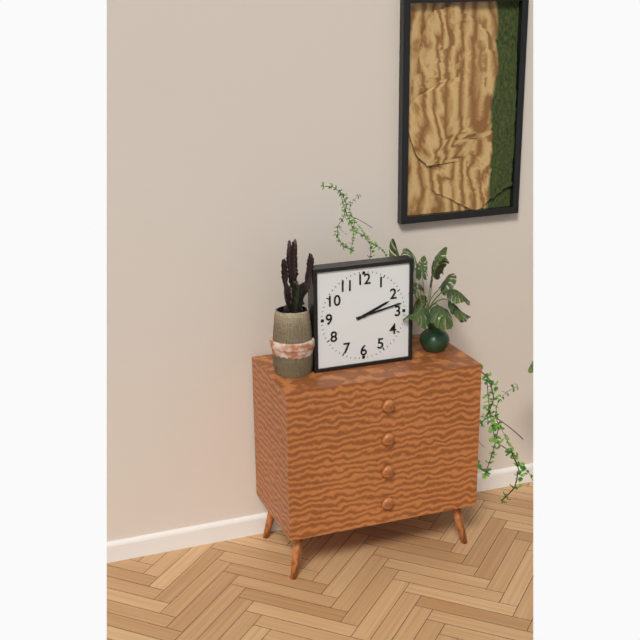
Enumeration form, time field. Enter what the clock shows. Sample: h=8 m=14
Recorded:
h=2 m=13
